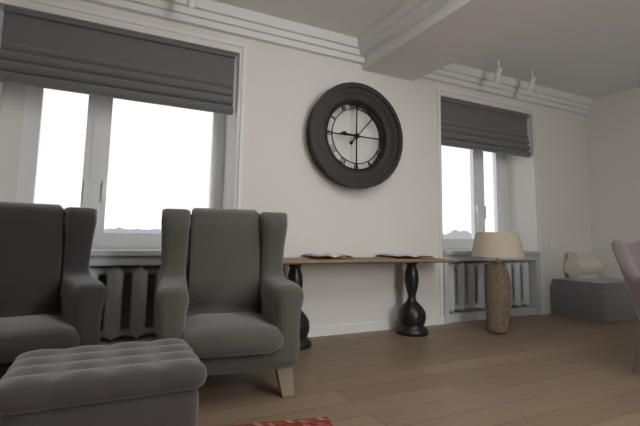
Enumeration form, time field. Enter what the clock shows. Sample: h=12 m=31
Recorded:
h=9 m=7
